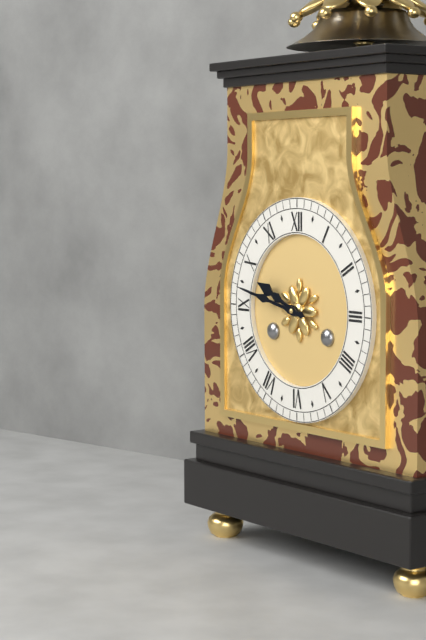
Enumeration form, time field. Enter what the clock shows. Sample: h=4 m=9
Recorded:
h=9 m=47
